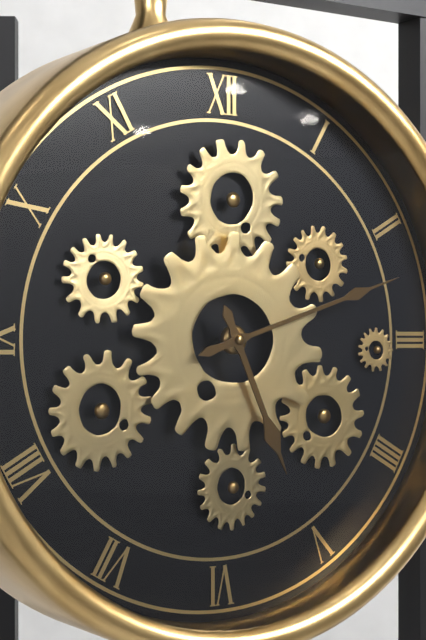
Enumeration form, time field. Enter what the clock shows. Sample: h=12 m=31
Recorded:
h=5 m=12
